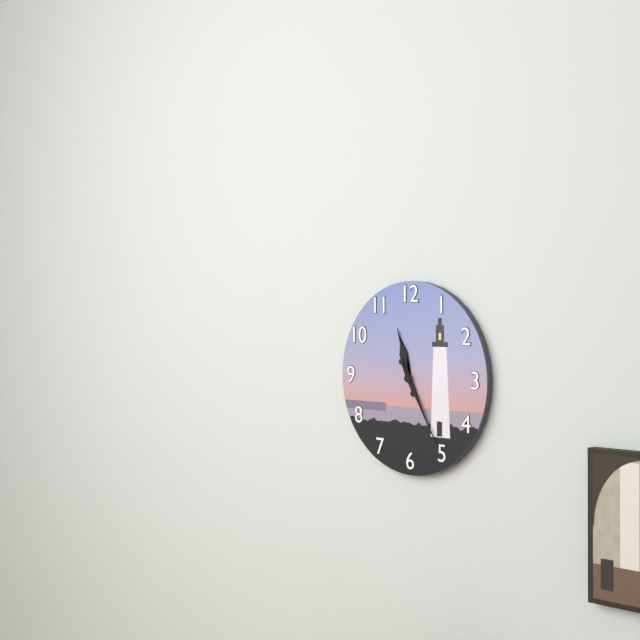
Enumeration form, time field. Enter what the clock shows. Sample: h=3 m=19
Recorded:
h=11 m=25
